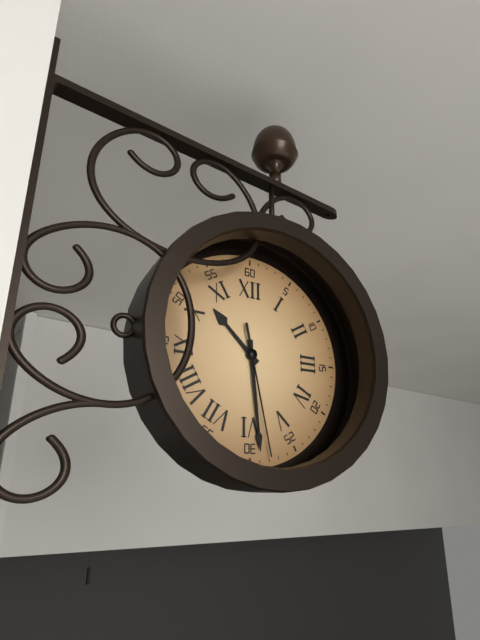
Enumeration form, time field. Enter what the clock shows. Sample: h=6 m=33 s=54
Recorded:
h=10 m=29 s=28
